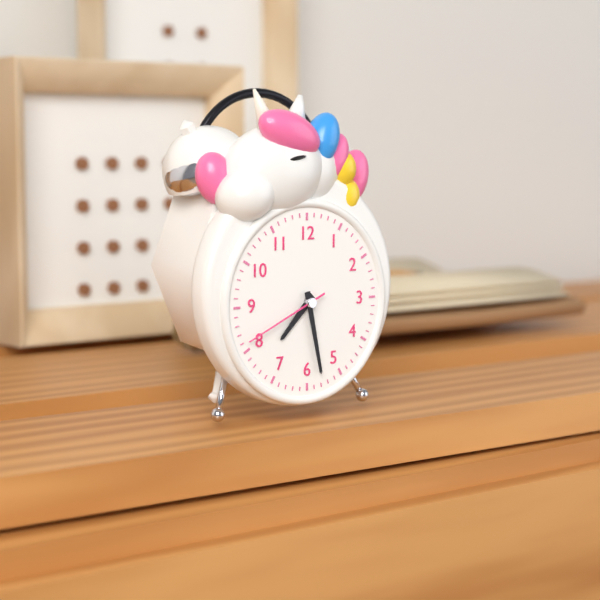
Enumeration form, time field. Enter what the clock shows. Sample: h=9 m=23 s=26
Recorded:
h=7 m=28 s=41
